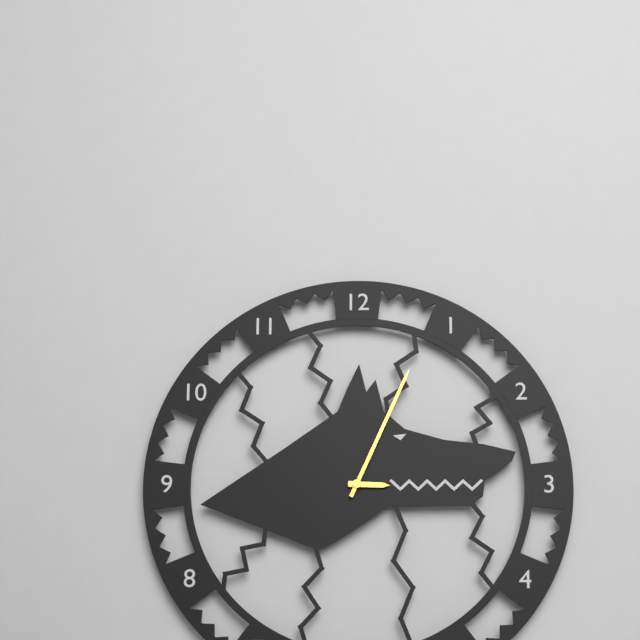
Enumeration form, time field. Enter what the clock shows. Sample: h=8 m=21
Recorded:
h=3 m=4
